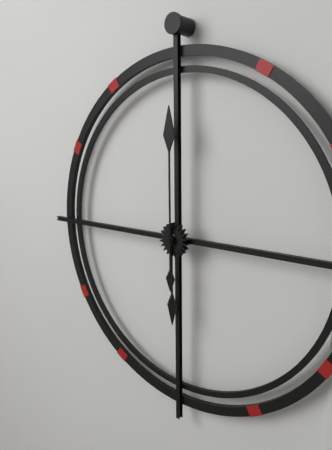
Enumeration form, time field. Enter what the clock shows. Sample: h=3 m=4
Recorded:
h=6 m=0
